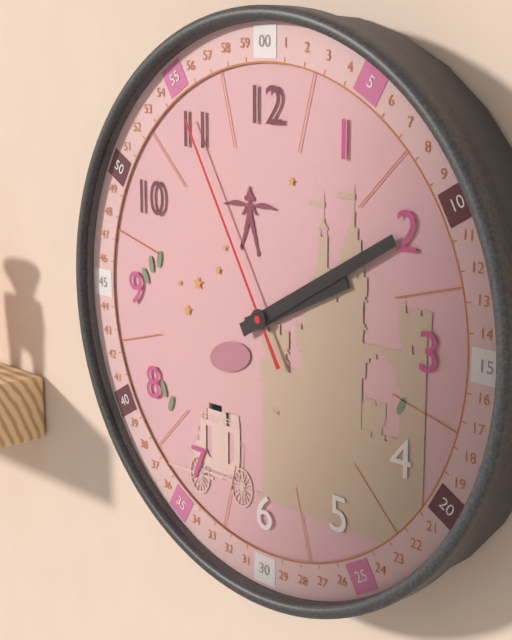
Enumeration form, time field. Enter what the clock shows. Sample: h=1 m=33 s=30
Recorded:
h=2 m=10 s=55
